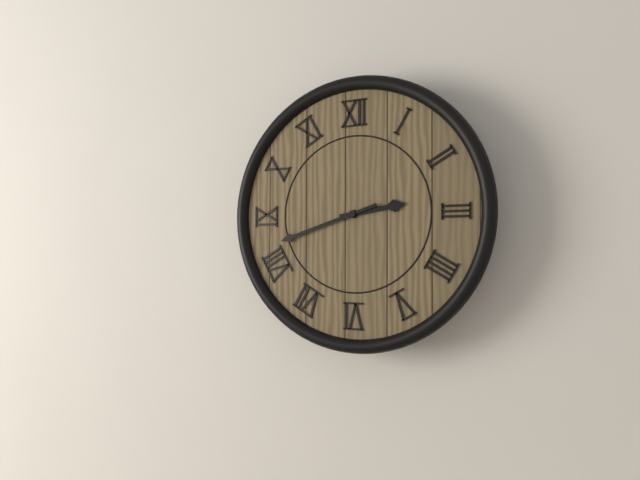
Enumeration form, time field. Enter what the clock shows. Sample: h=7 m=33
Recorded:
h=2 m=42
